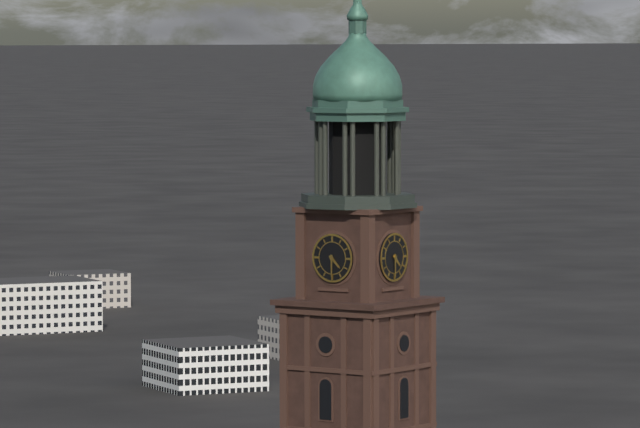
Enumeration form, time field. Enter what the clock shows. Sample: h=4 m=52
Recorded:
h=4 m=30
